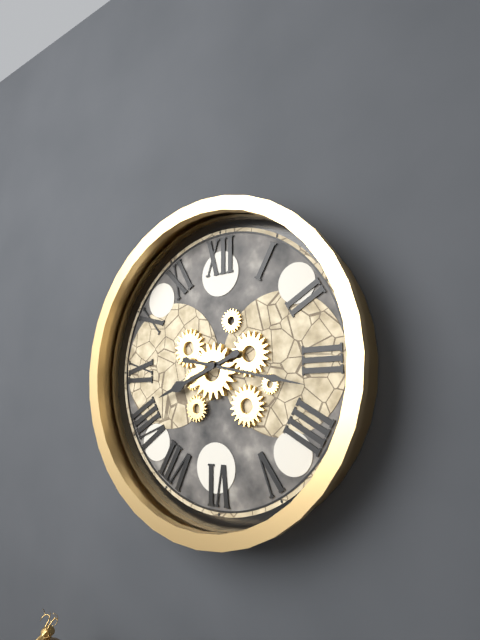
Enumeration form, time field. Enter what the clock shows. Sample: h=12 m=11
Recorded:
h=8 m=17
